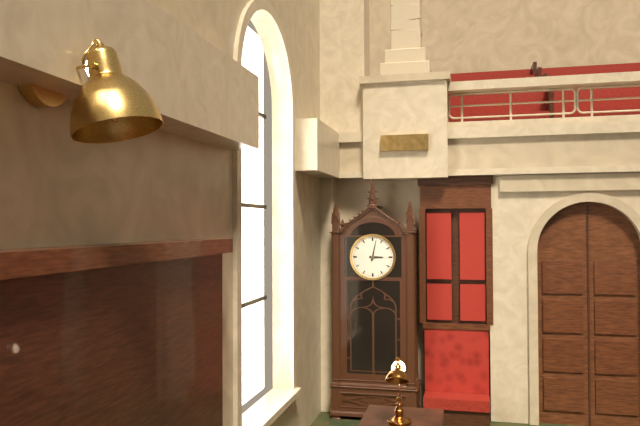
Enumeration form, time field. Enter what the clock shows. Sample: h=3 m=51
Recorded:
h=3 m=2
